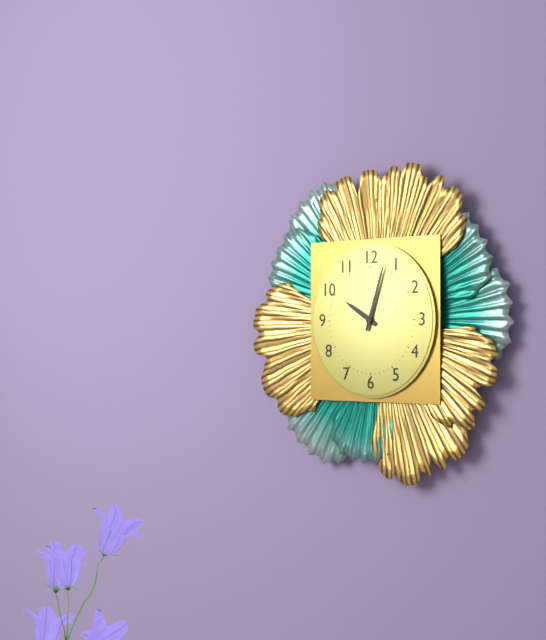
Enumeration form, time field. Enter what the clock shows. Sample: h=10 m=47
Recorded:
h=10 m=3
